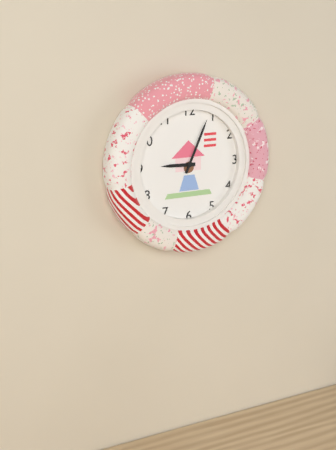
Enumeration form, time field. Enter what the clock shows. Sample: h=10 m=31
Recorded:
h=9 m=4
